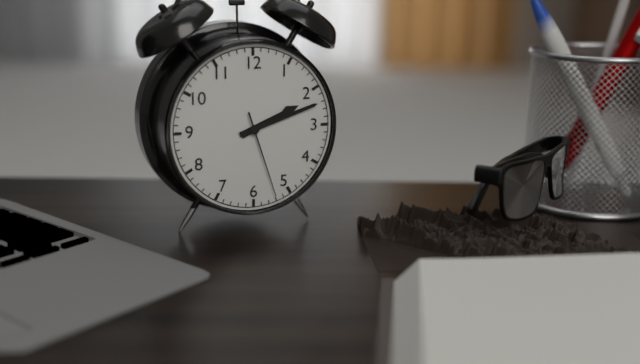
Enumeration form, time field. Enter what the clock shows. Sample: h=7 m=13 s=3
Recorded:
h=2 m=12 s=27
